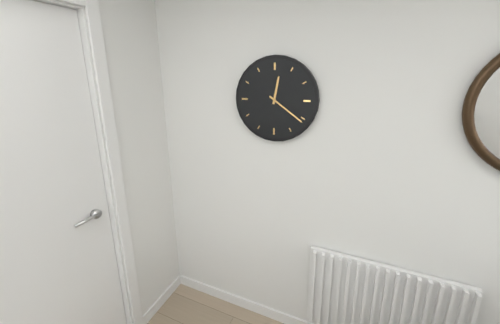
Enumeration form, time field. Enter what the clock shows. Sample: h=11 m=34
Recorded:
h=12 m=21
